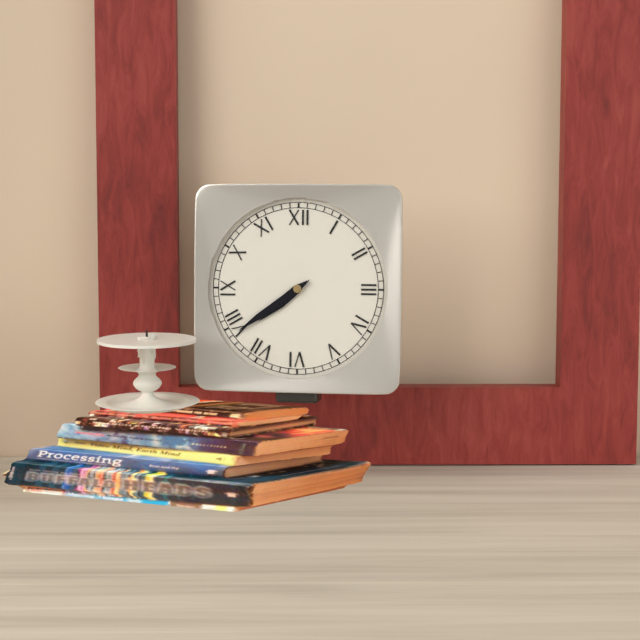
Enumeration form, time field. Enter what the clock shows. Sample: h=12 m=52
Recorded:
h=7 m=39
